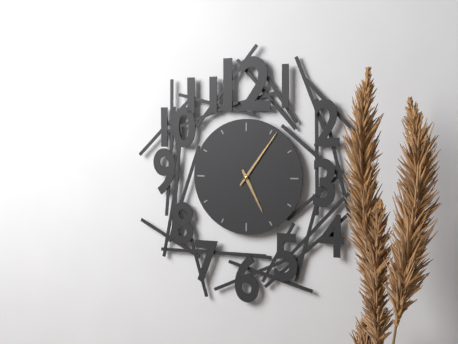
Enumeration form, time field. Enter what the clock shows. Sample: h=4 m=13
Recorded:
h=5 m=6
